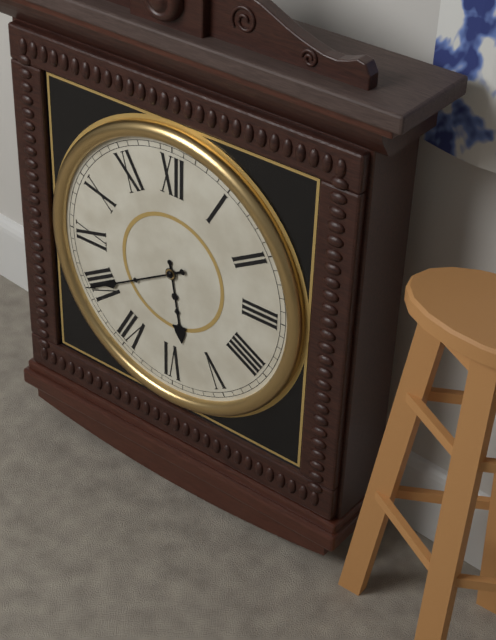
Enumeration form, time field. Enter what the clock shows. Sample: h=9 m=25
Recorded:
h=5 m=40
